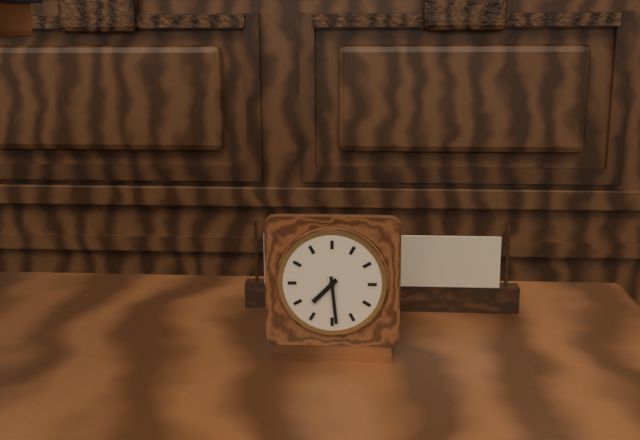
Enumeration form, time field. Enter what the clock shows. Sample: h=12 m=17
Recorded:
h=7 m=29
